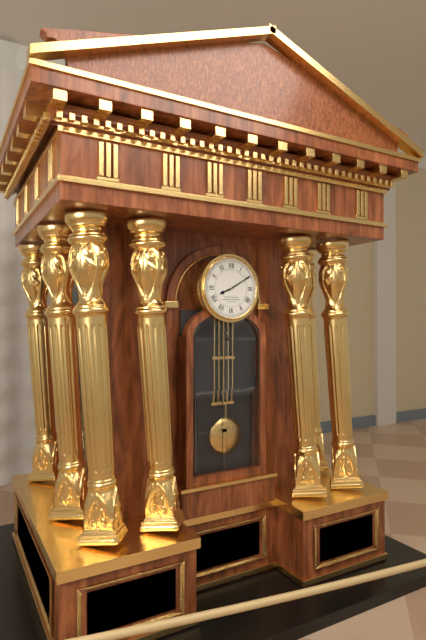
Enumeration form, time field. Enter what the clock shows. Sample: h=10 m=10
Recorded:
h=8 m=10
